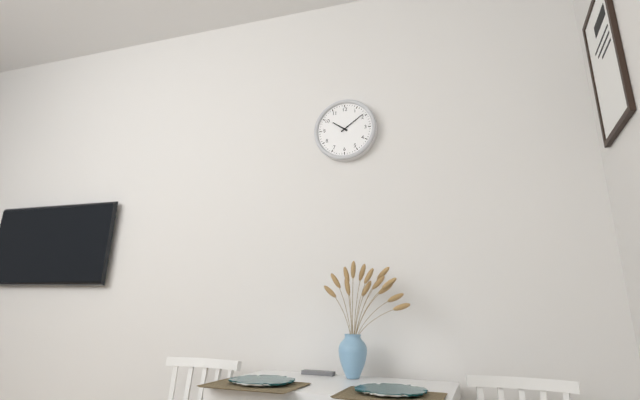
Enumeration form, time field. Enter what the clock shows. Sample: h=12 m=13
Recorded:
h=10 m=9
